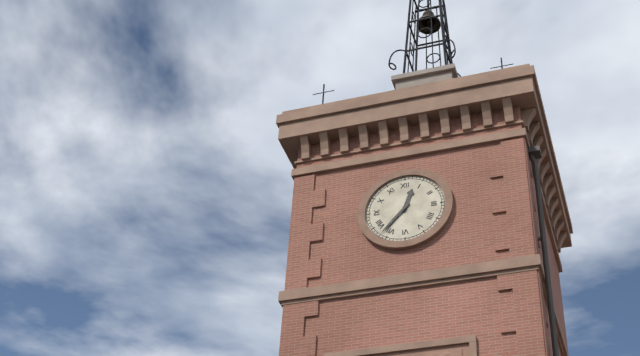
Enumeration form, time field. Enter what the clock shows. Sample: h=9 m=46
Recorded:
h=12 m=37
